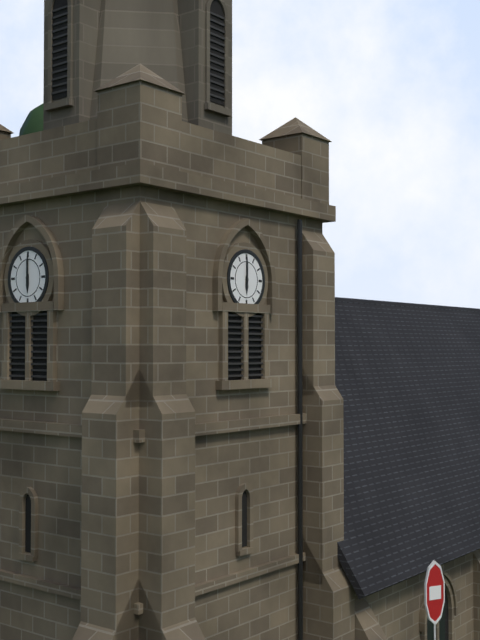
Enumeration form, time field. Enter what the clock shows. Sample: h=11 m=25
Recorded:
h=6 m=0
